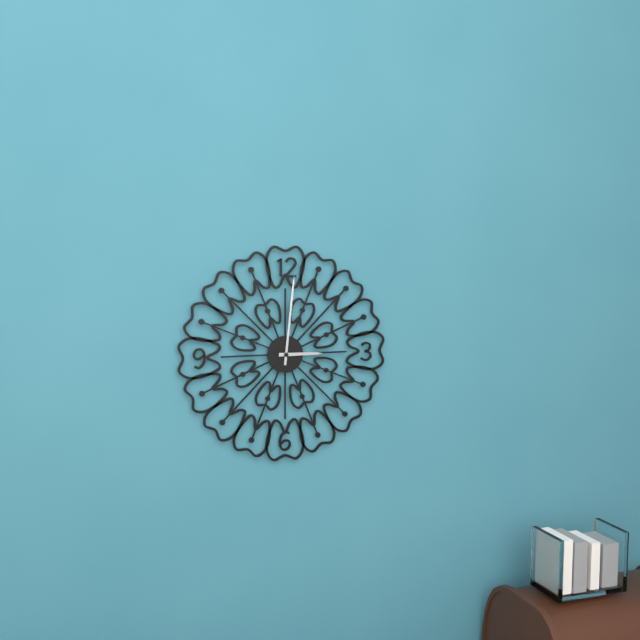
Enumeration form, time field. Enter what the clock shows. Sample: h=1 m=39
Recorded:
h=3 m=1
